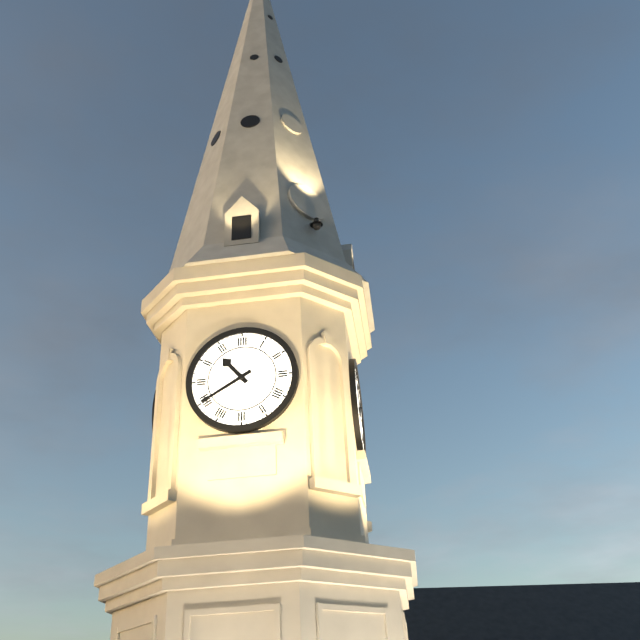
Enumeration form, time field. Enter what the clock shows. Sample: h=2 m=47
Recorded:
h=10 m=40
